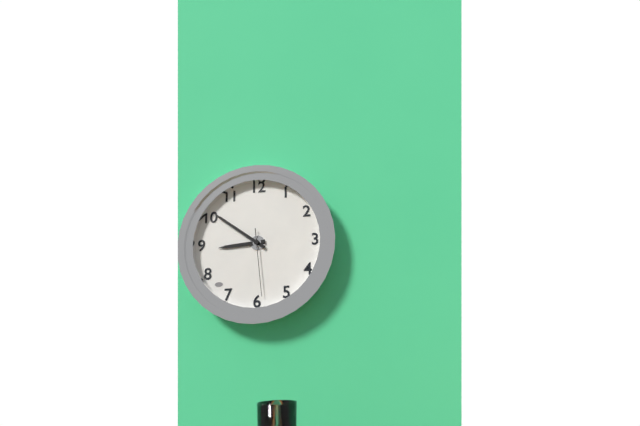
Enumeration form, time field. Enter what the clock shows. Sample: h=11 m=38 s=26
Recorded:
h=8 m=51 s=29
